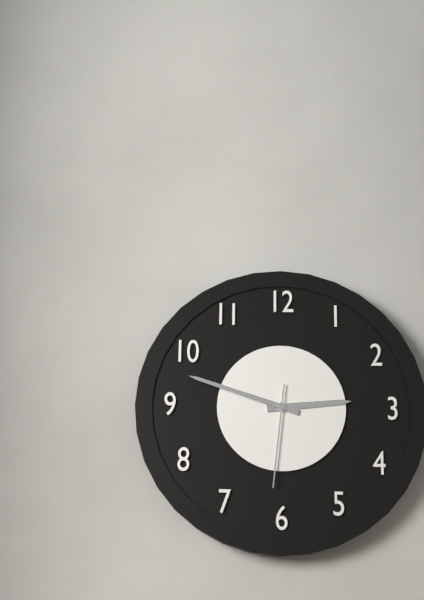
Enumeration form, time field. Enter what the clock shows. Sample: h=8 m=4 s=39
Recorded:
h=2 m=48 s=31
